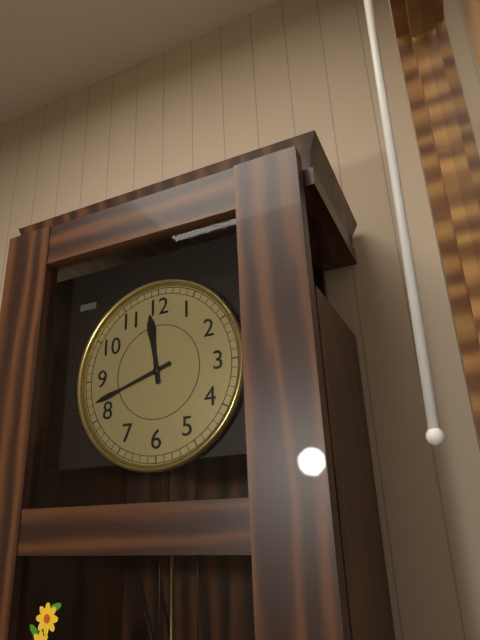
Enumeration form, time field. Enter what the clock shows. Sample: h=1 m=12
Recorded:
h=11 m=42
